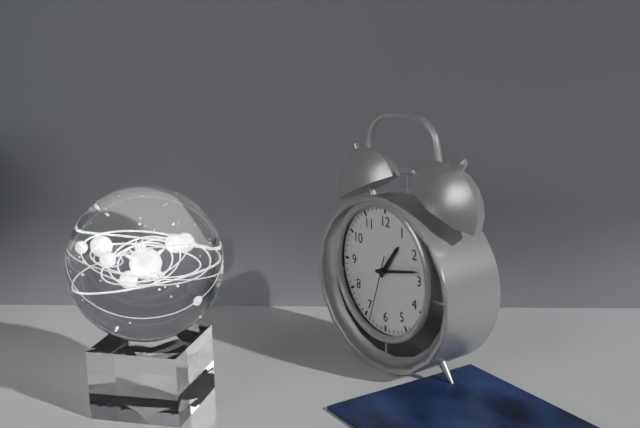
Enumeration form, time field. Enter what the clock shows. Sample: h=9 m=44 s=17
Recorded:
h=1 m=13 s=33
